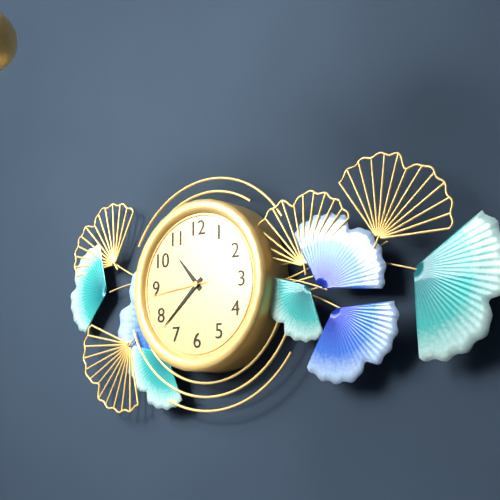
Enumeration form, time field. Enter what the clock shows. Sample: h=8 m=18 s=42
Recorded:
h=10 m=38 s=44
